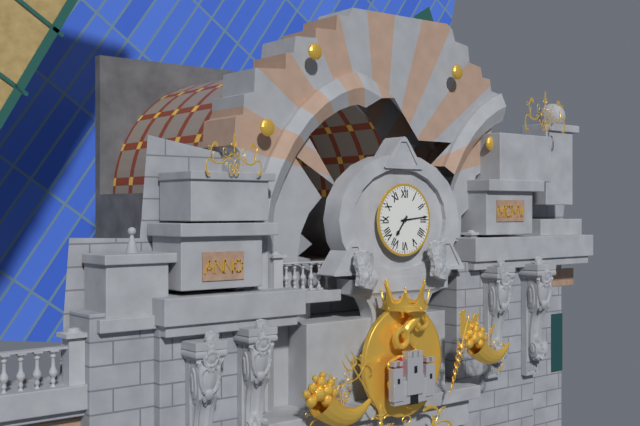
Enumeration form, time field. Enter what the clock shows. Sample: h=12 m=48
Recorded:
h=7 m=14
